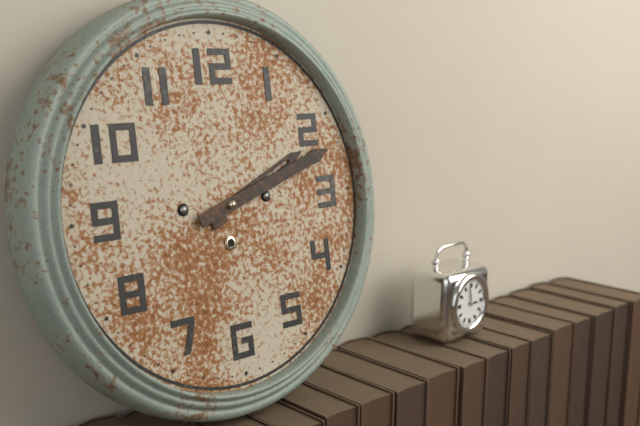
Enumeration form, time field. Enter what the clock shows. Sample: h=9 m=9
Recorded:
h=2 m=12
